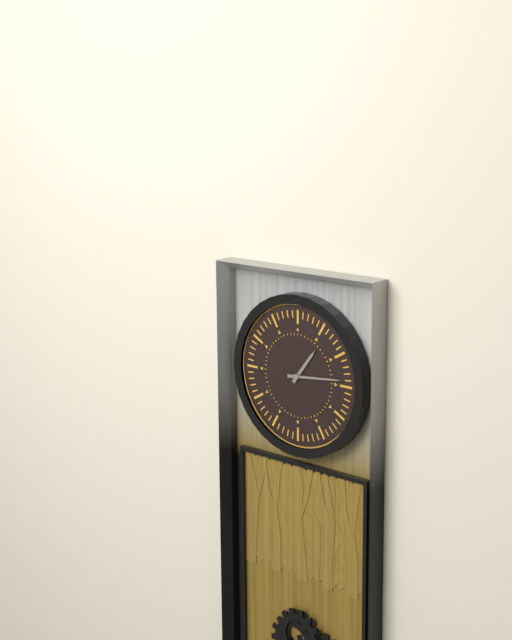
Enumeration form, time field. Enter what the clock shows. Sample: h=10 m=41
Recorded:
h=1 m=14
